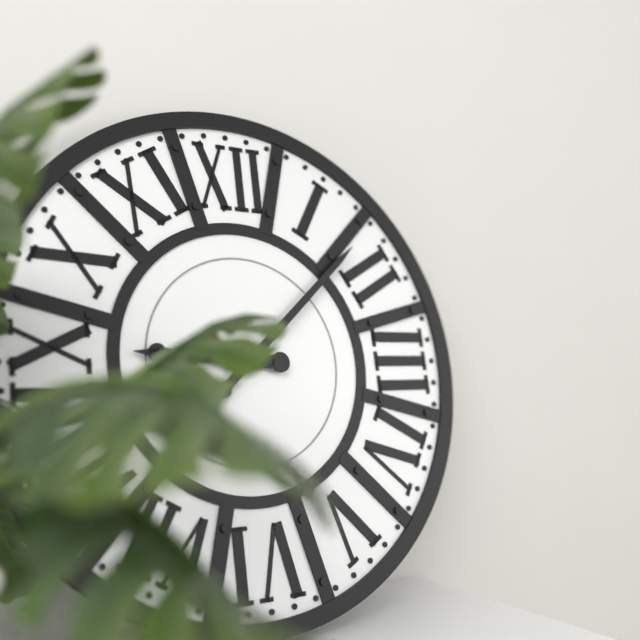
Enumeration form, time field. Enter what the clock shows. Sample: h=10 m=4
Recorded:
h=9 m=8
